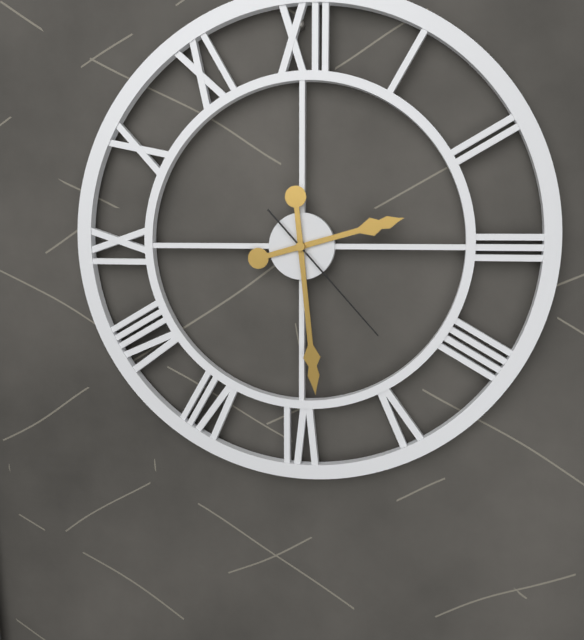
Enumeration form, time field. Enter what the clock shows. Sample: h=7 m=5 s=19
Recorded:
h=2 m=29 s=23
